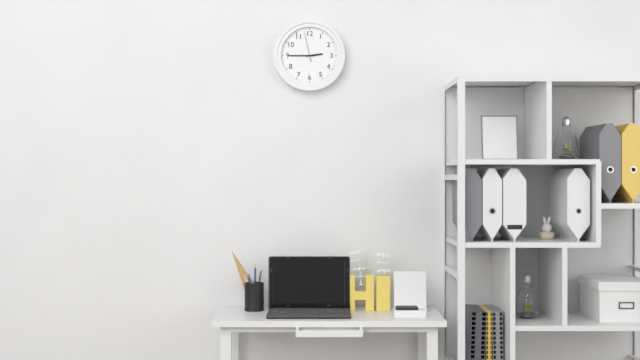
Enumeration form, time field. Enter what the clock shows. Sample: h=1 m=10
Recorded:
h=2 m=45
